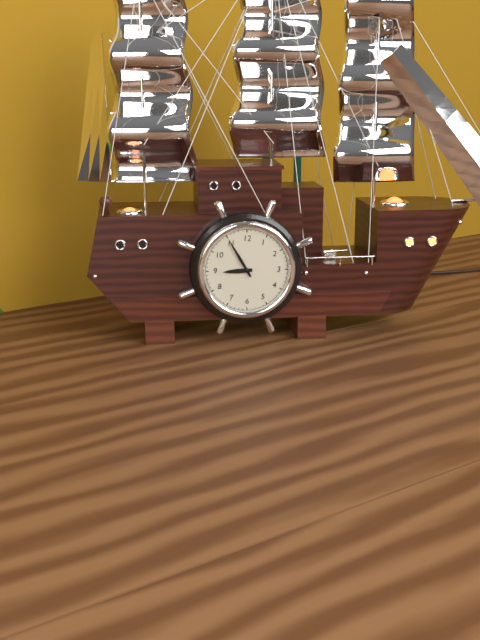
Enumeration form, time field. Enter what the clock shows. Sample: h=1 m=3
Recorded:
h=8 m=55
